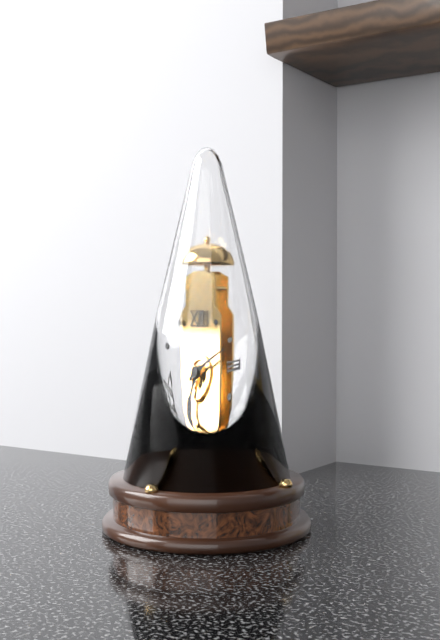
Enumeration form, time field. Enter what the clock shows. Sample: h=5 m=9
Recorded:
h=7 m=11
